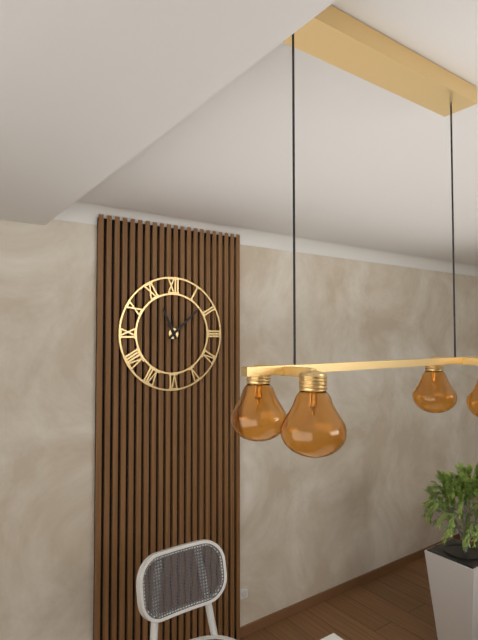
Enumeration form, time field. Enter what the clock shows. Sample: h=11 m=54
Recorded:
h=11 m=8
